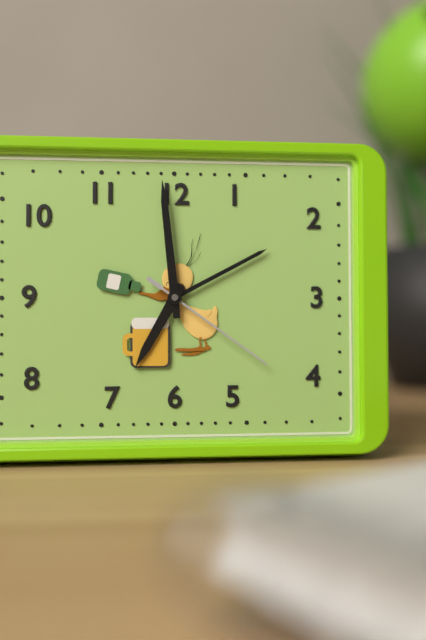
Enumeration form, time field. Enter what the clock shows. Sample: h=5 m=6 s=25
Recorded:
h=6 m=59 s=21
